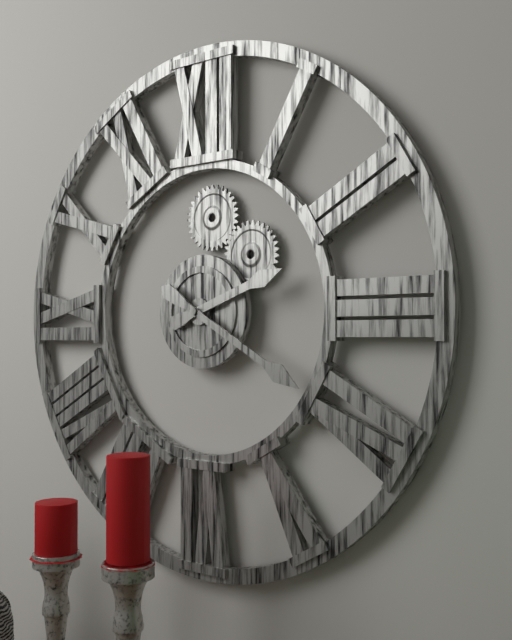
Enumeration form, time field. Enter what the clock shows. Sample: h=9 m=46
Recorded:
h=2 m=20
